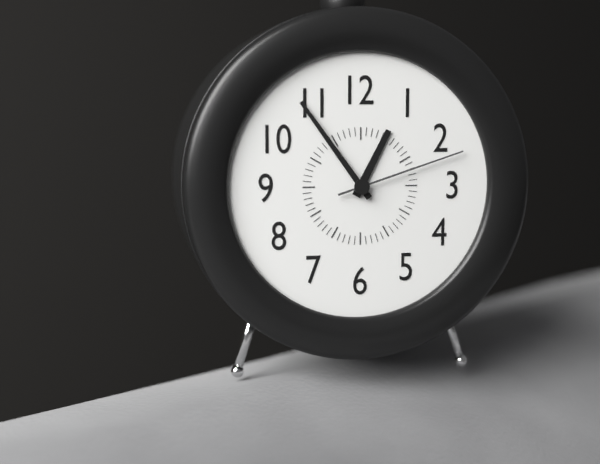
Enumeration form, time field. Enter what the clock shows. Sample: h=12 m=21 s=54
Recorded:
h=12 m=54 s=12
